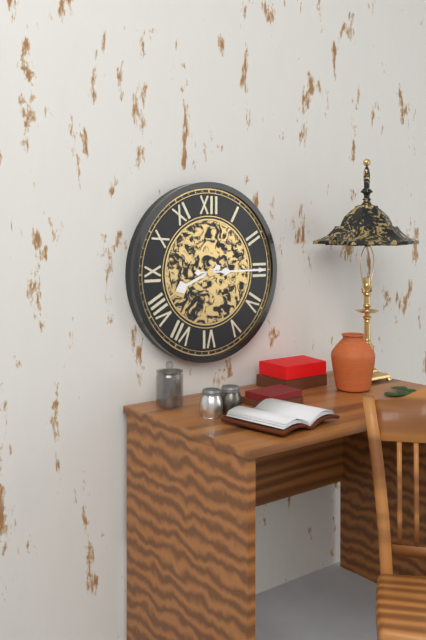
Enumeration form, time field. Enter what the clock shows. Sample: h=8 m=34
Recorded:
h=8 m=15
